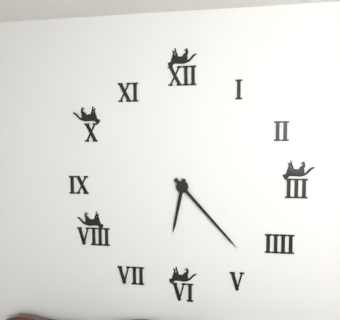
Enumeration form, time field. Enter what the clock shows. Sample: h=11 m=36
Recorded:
h=6 m=23
